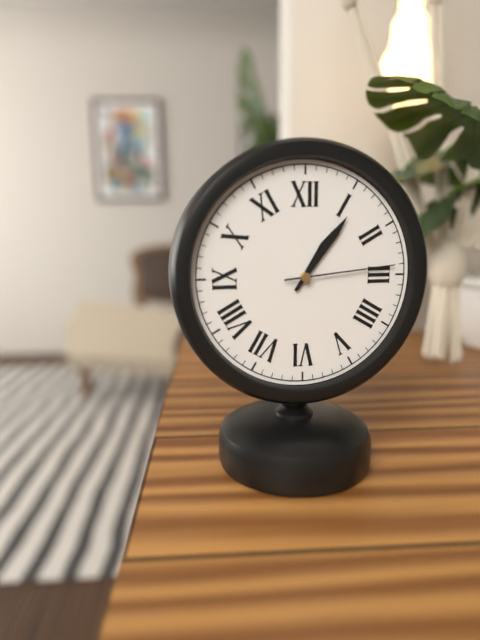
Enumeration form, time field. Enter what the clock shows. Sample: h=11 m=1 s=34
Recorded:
h=1 m=6 s=14
